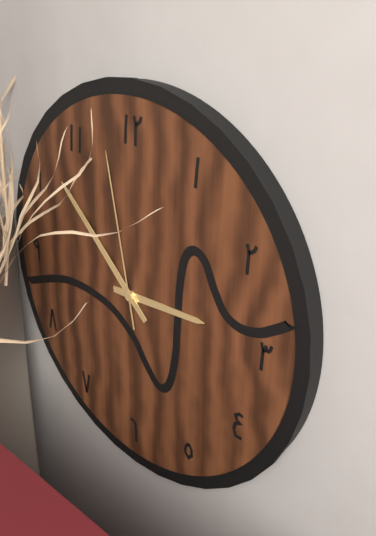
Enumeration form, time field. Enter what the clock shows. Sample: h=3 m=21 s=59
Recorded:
h=2 m=52 s=58
